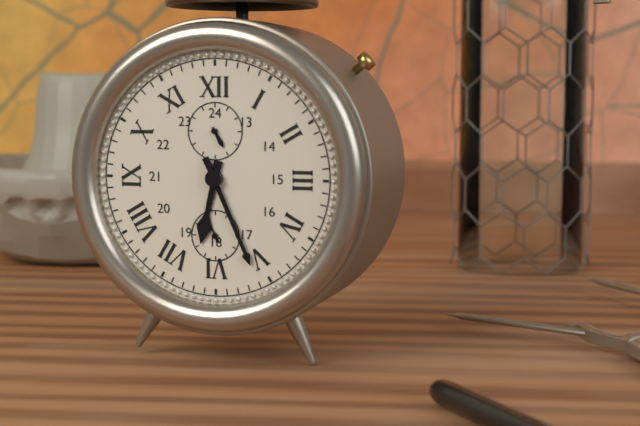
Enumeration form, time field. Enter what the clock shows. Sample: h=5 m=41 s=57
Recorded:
h=6 m=26 s=56
